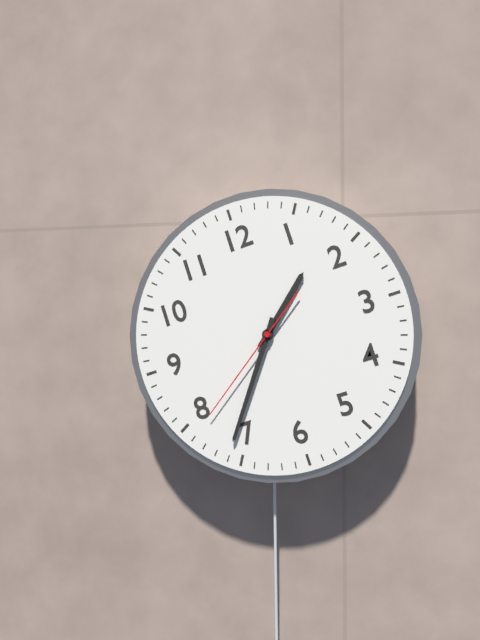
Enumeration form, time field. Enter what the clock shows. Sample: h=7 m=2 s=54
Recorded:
h=1 m=36 s=39
